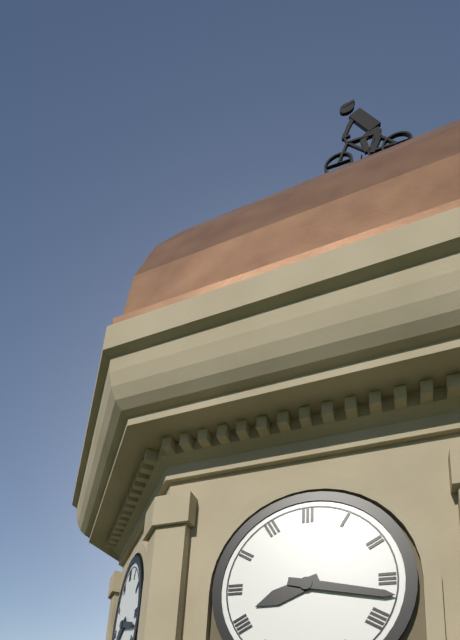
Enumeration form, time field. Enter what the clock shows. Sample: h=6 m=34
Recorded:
h=8 m=17
